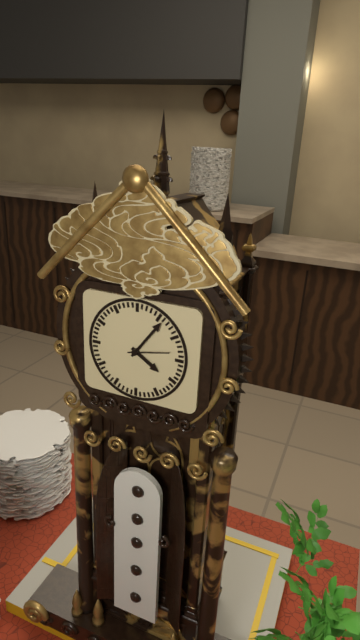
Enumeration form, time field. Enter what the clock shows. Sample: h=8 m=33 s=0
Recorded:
h=4 m=6 s=13
